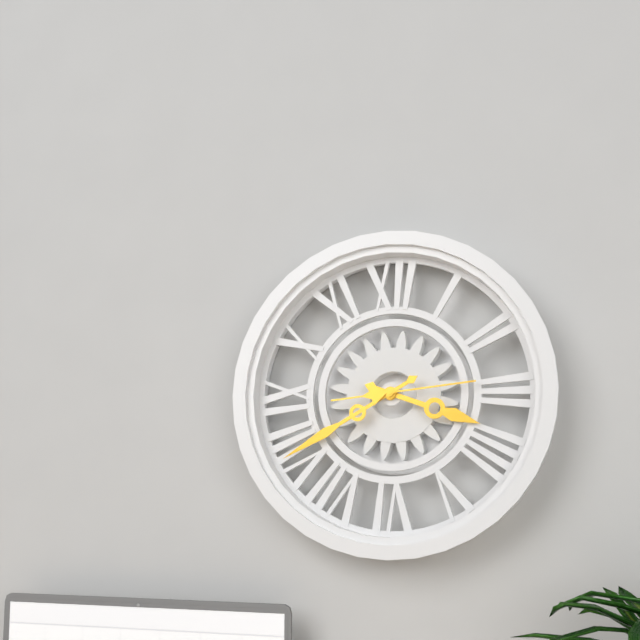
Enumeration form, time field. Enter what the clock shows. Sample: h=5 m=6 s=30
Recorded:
h=3 m=40 s=14
